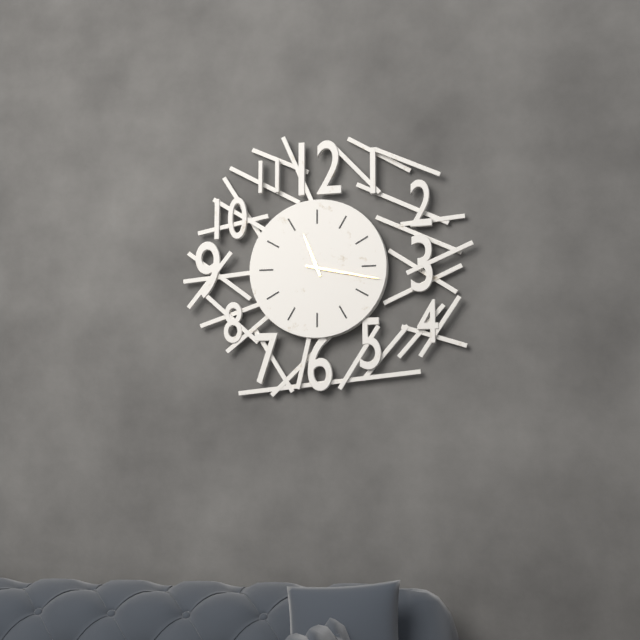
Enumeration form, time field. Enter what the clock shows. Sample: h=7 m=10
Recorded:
h=11 m=17
